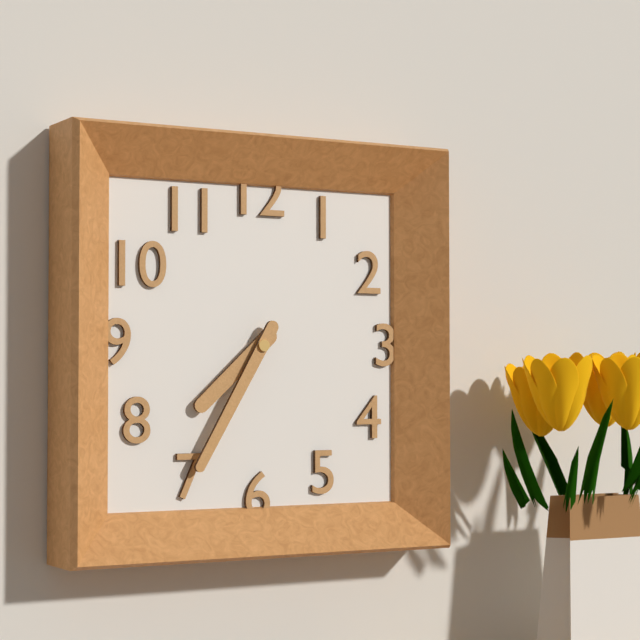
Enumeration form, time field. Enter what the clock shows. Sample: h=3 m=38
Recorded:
h=7 m=35
